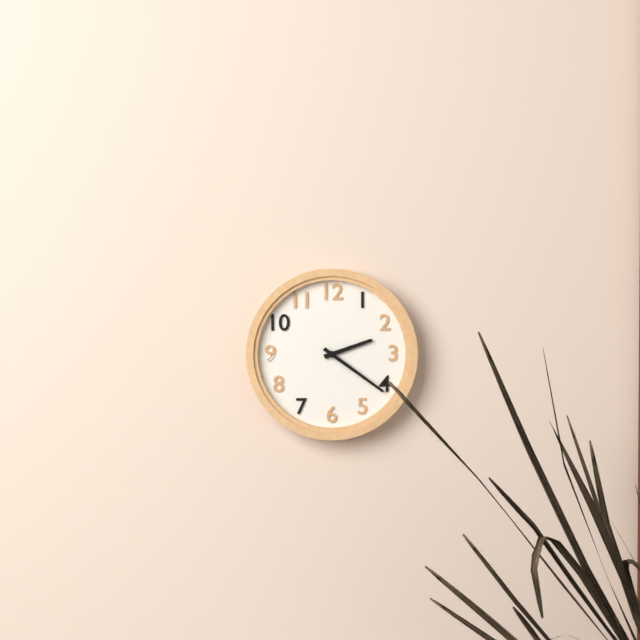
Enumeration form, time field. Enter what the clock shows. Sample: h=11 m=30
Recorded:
h=2 m=21
